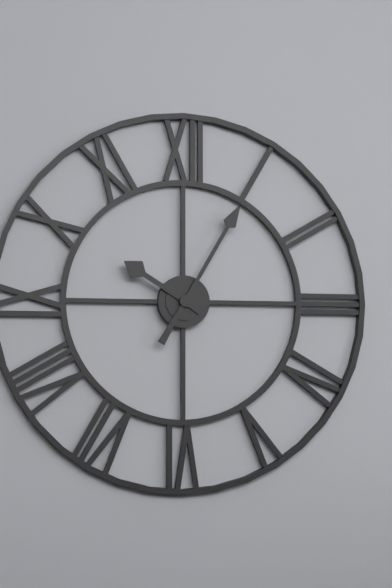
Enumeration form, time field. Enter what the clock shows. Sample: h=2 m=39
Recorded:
h=10 m=5
